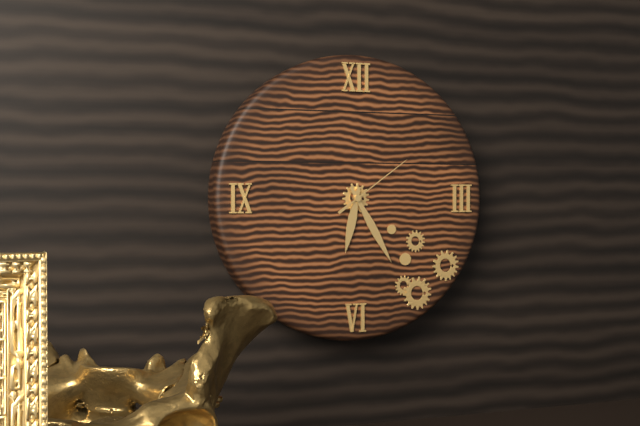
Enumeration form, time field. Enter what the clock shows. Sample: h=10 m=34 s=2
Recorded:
h=6 m=25 s=9
